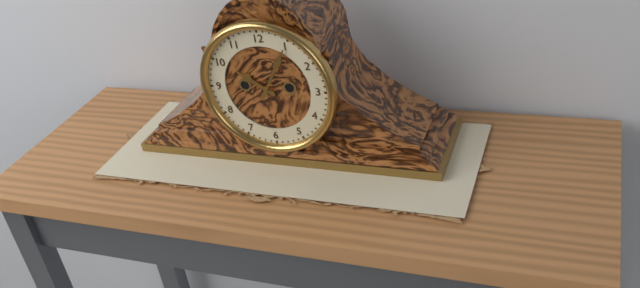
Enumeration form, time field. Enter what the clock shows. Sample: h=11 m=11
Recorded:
h=10 m=5
